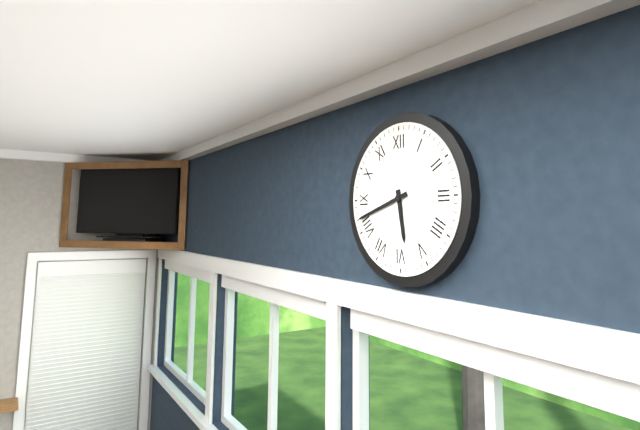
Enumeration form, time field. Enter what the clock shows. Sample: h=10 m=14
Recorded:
h=5 m=42
